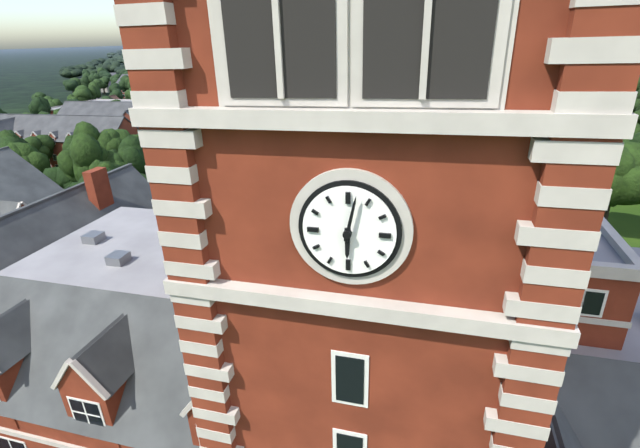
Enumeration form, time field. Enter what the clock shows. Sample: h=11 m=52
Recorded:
h=6 m=2
